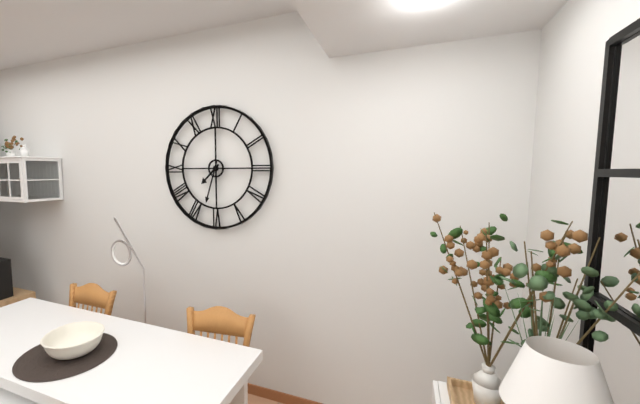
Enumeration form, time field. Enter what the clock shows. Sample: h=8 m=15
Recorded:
h=7 m=33
